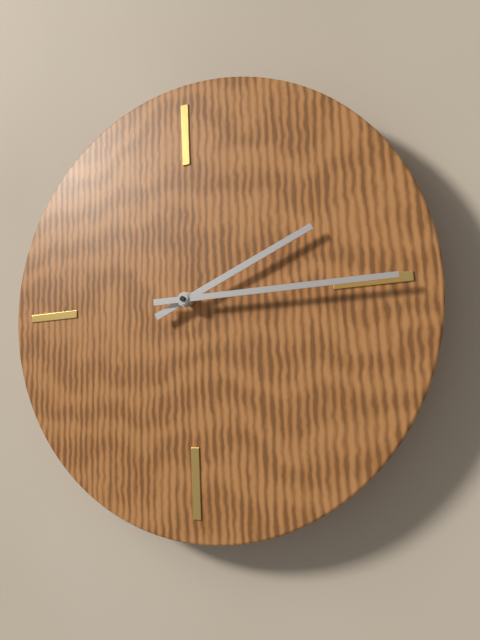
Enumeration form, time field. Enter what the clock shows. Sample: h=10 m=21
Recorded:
h=2 m=15
